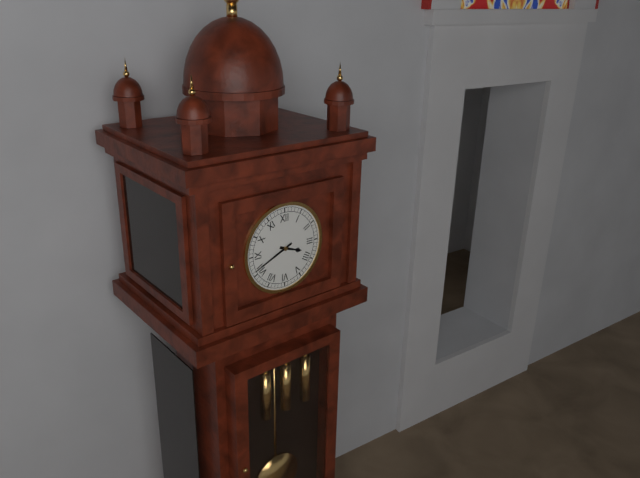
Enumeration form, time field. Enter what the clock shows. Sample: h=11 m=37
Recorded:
h=3 m=41
